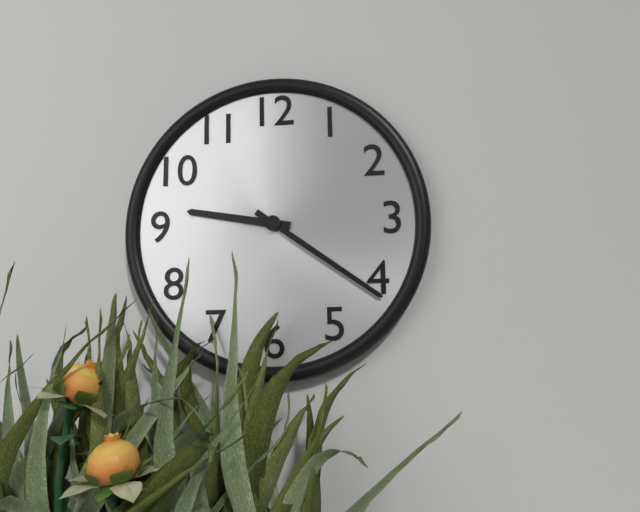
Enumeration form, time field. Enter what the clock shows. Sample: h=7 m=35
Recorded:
h=9 m=21
